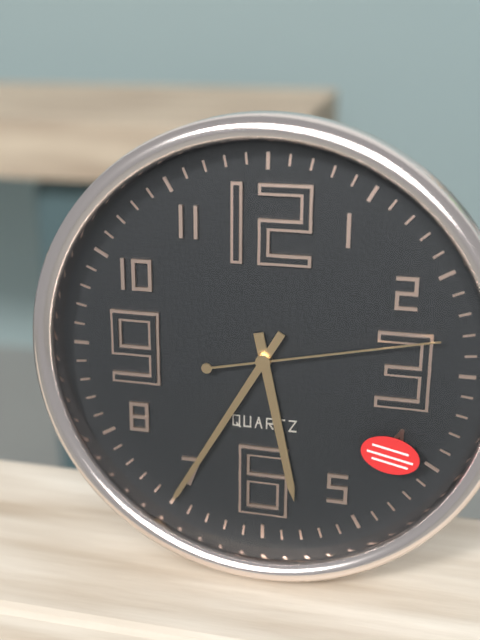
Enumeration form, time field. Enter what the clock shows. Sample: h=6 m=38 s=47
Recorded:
h=5 m=35 s=13
